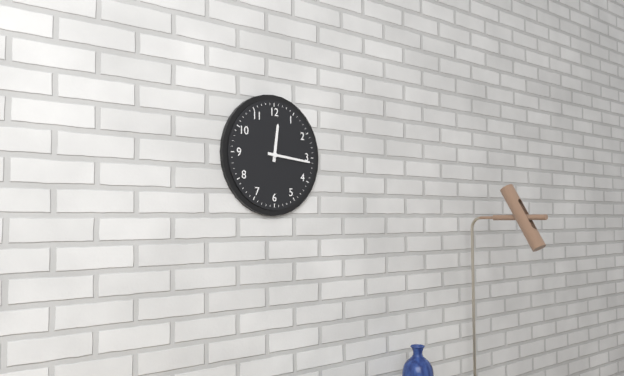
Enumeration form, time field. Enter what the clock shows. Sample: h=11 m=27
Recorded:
h=12 m=16
